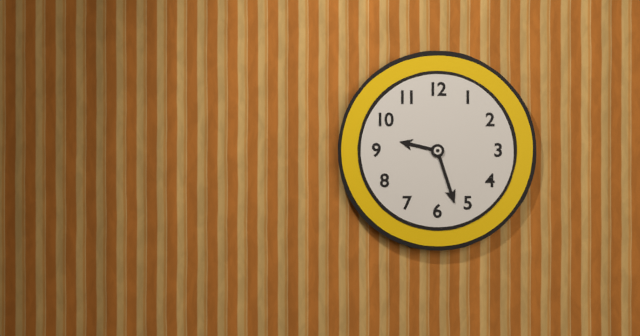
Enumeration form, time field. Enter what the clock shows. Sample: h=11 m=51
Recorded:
h=9 m=27
